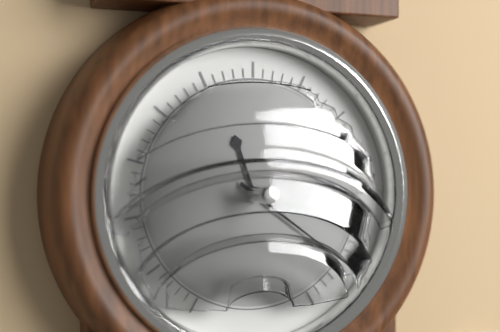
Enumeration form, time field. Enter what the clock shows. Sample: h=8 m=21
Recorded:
h=11 m=21
